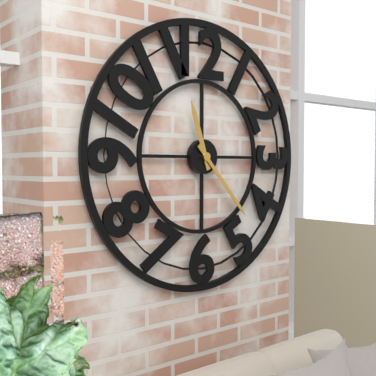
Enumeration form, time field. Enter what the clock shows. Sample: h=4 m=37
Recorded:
h=11 m=23
